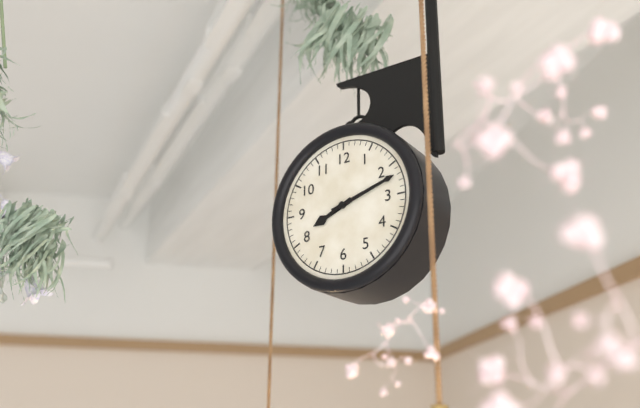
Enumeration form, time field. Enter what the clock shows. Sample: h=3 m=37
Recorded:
h=8 m=12
